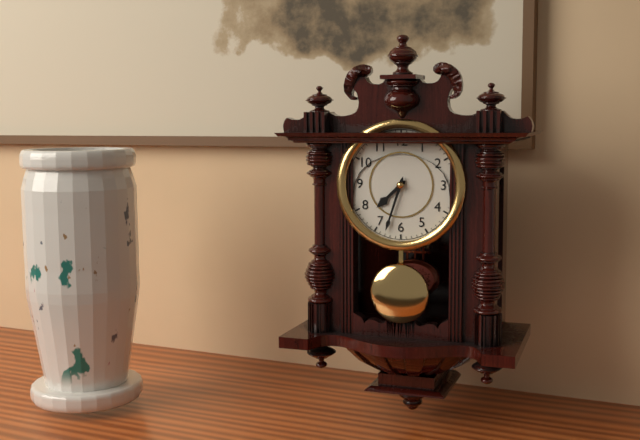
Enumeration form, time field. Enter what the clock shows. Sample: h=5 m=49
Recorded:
h=7 m=33
